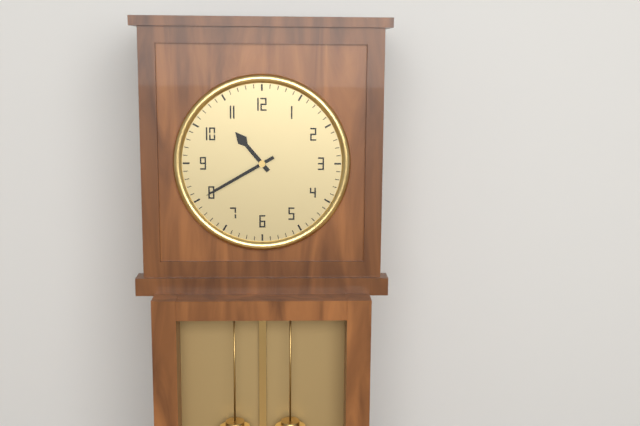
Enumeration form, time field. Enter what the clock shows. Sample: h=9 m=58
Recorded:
h=10 m=40
